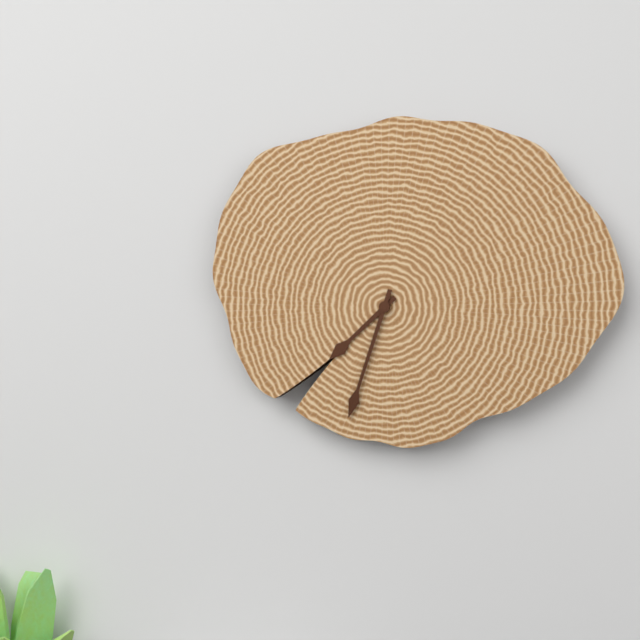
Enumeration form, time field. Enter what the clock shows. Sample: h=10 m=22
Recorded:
h=7 m=33
